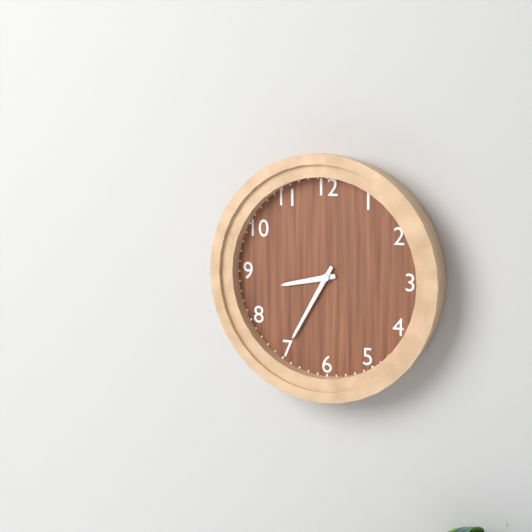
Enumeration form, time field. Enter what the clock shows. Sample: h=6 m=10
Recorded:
h=8 m=35
